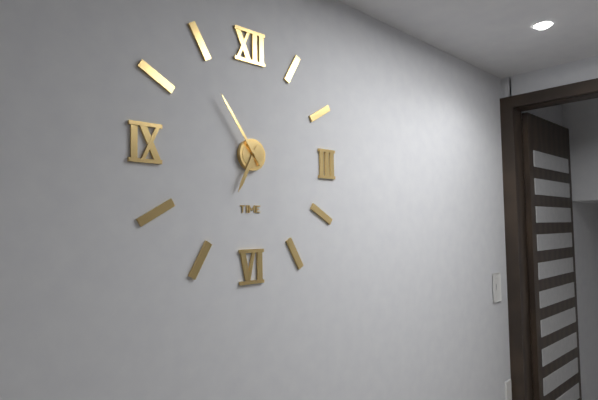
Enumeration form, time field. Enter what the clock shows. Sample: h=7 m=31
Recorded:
h=6 m=54
